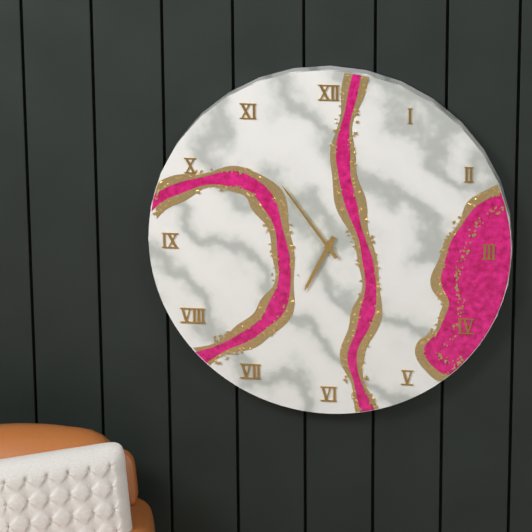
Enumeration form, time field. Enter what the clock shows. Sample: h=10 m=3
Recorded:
h=6 m=54
